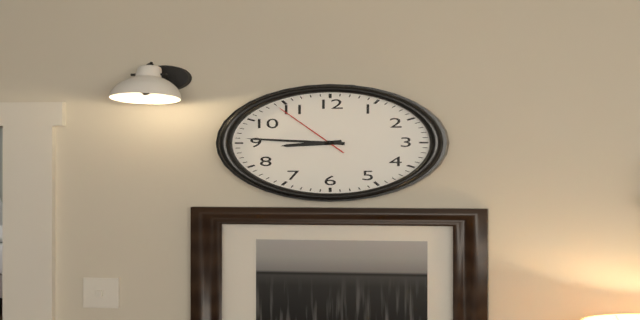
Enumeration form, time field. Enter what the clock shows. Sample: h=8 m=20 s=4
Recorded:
h=8 m=46 s=54
